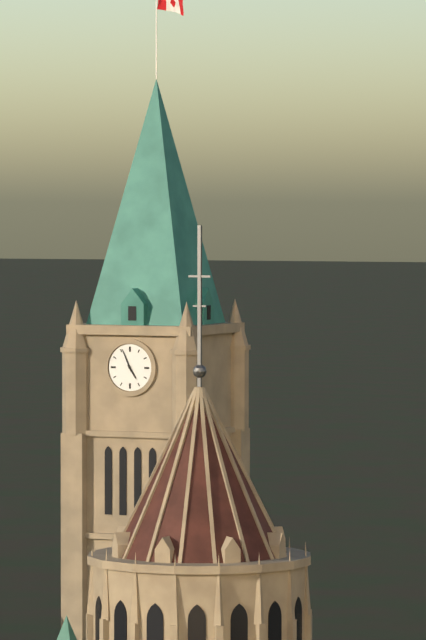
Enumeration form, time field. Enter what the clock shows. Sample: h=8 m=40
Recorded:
h=4 m=56
